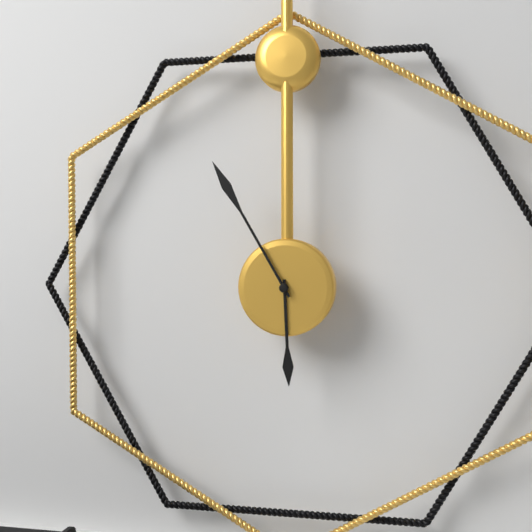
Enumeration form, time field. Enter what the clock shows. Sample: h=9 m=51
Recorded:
h=5 m=55
